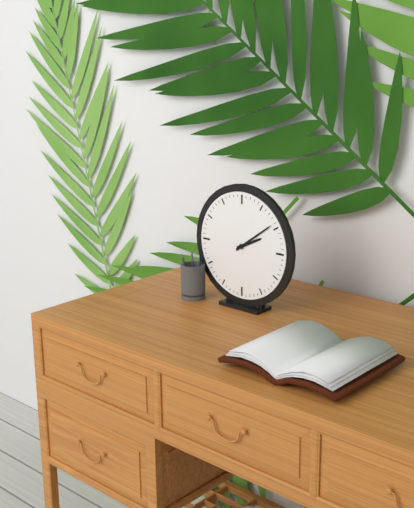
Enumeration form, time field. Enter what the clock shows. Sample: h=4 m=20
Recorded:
h=2 m=9
